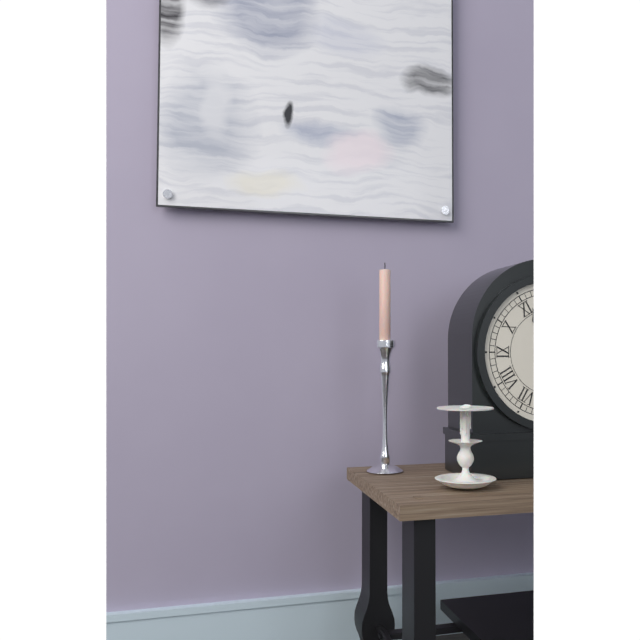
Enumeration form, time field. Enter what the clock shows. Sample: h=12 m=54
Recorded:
h=11 m=16
